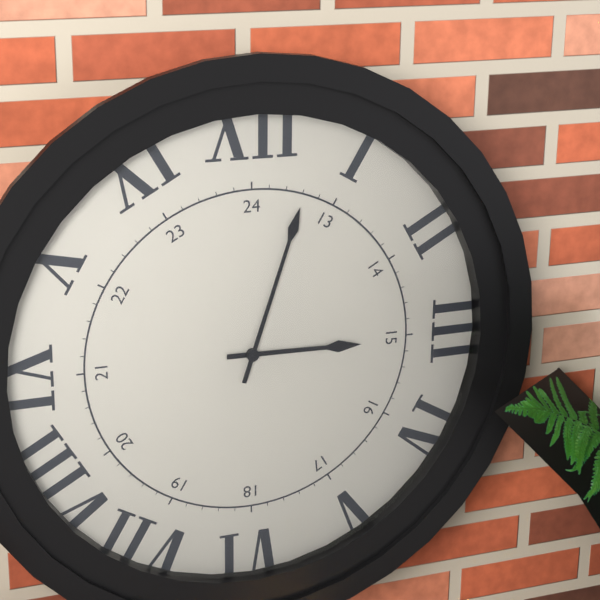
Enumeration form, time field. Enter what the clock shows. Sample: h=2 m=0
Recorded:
h=3 m=3
